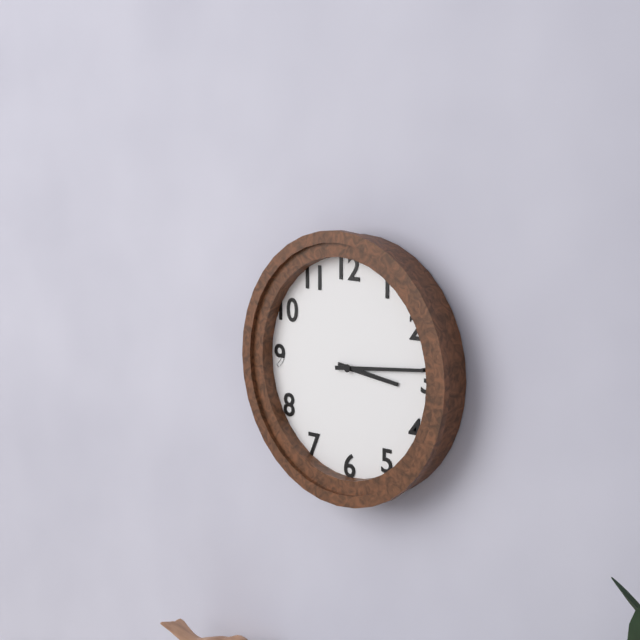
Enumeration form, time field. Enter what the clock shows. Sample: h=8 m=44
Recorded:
h=3 m=14
